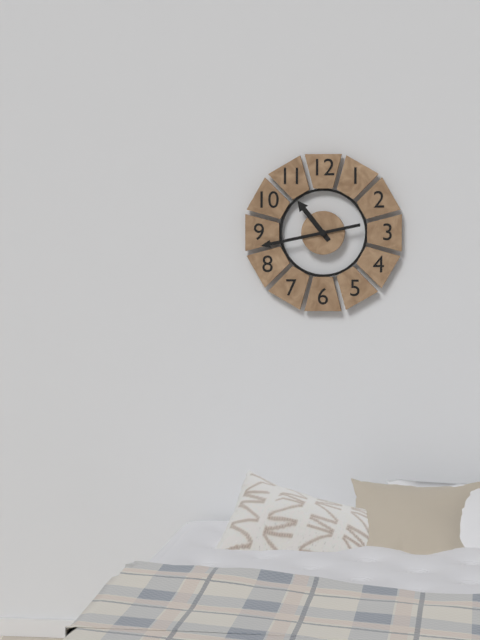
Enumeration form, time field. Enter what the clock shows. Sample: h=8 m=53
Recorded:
h=10 m=43
